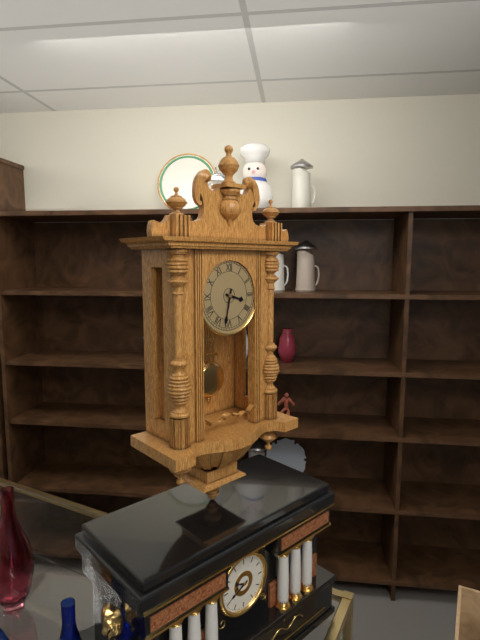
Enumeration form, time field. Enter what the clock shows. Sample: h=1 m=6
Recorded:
h=3 m=32
